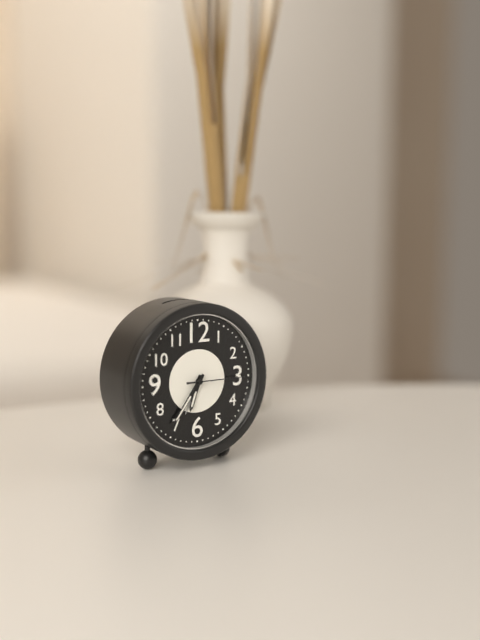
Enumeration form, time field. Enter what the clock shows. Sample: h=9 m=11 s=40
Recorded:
h=6 m=36 s=15
